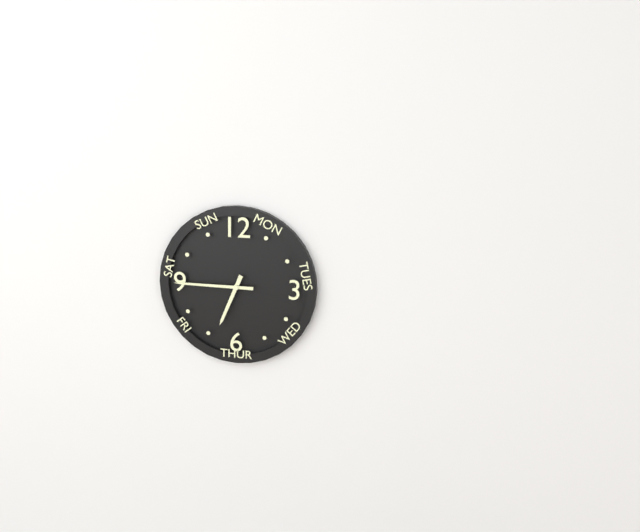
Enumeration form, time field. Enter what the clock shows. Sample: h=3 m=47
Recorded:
h=6 m=45
